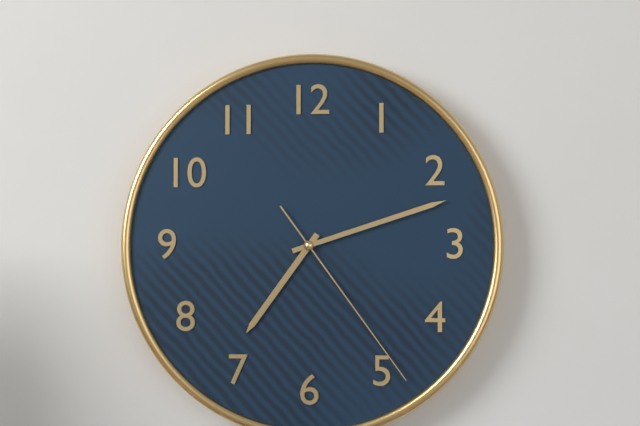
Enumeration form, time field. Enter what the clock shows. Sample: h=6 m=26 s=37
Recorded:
h=7 m=12 s=24
